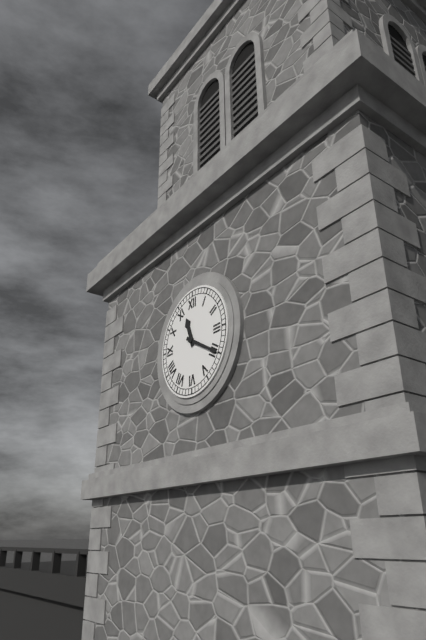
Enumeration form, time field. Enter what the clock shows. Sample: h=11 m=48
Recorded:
h=11 m=20
